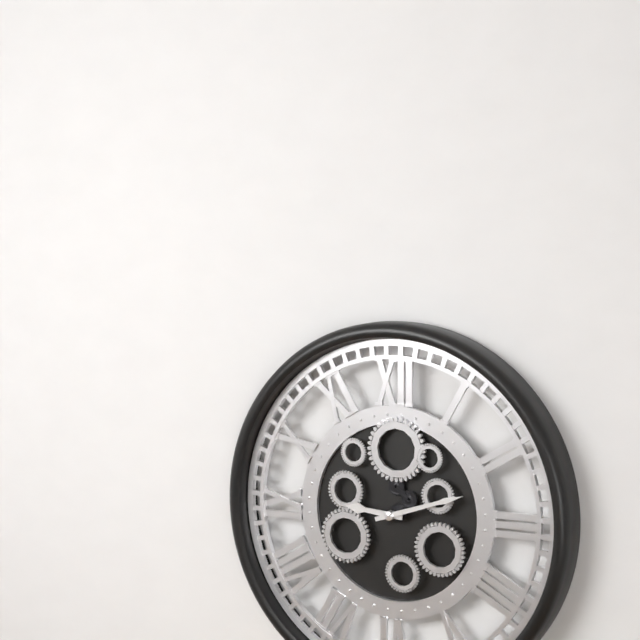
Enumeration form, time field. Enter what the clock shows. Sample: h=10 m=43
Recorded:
h=9 m=12
